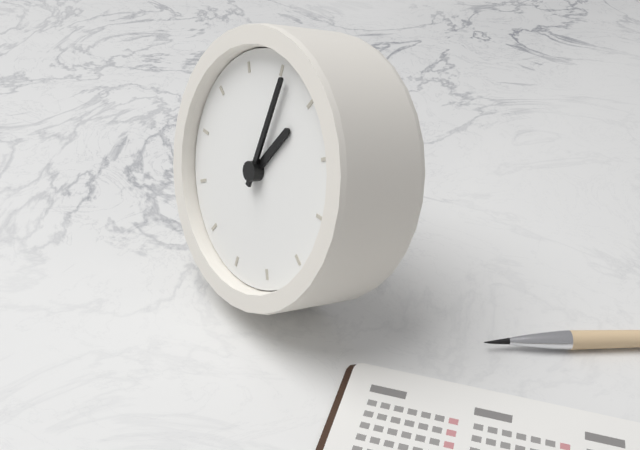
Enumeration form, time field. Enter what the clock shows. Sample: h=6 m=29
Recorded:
h=1 m=1
